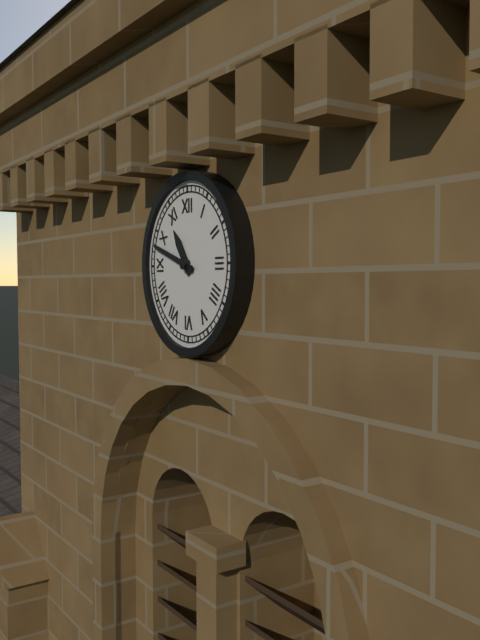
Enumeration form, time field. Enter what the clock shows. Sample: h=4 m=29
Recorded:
h=10 m=48
